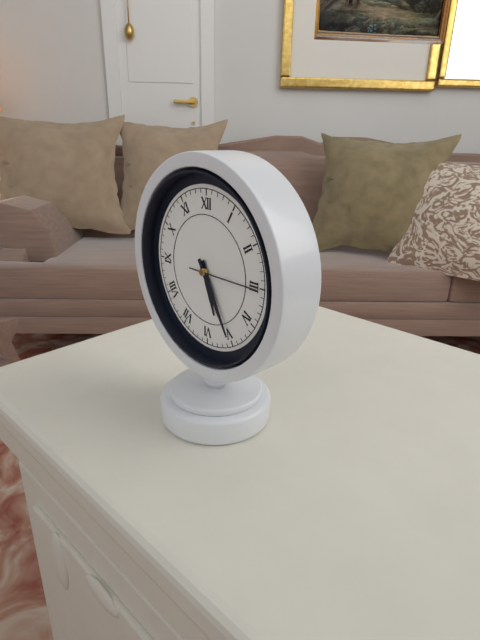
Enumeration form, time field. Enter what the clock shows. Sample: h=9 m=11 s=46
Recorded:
h=5 m=25 s=15
